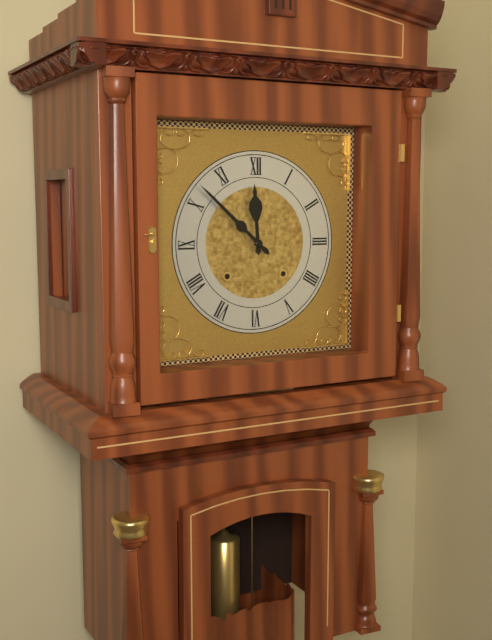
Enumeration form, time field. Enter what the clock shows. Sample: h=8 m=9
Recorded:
h=11 m=52
